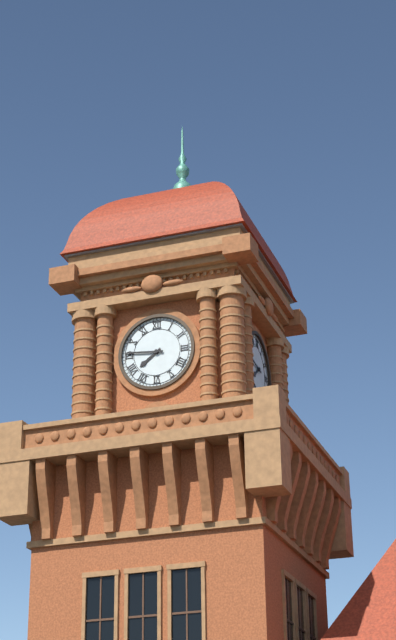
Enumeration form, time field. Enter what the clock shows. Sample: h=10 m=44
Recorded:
h=7 m=46
